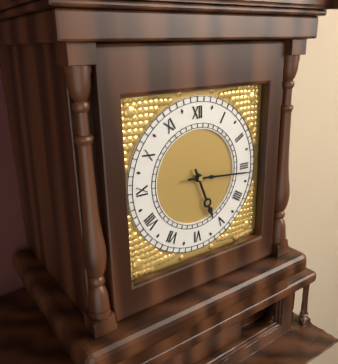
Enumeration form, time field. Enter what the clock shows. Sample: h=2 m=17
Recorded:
h=5 m=16
